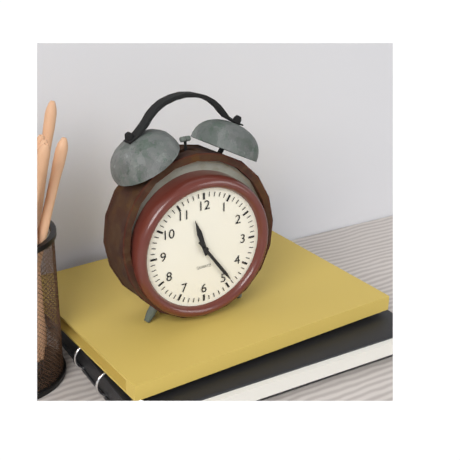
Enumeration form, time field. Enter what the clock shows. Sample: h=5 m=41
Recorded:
h=11 m=24
